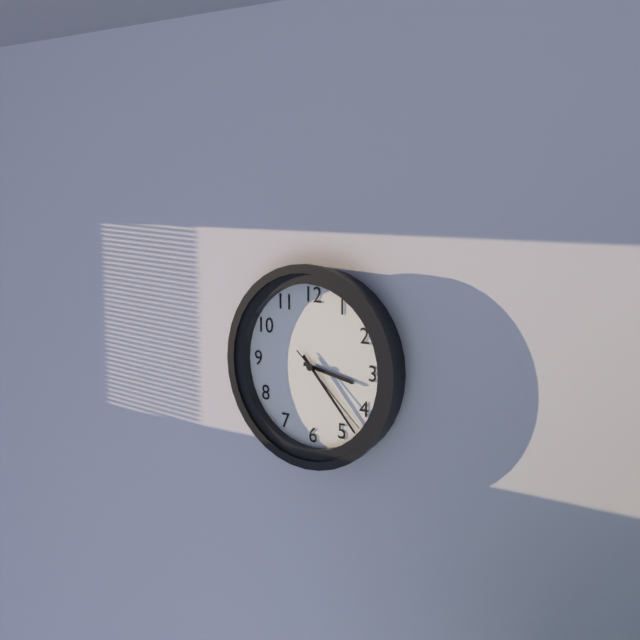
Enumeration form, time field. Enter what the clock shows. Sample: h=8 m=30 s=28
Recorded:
h=3 m=23 s=22
